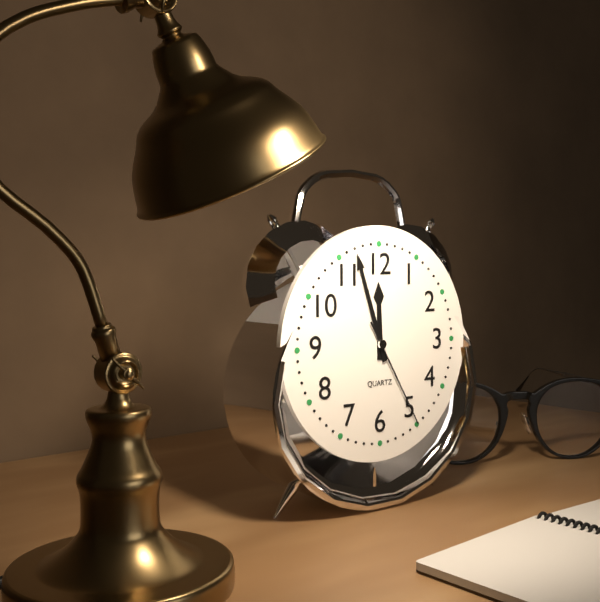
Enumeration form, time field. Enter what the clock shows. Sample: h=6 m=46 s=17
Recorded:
h=11 m=57 s=25
